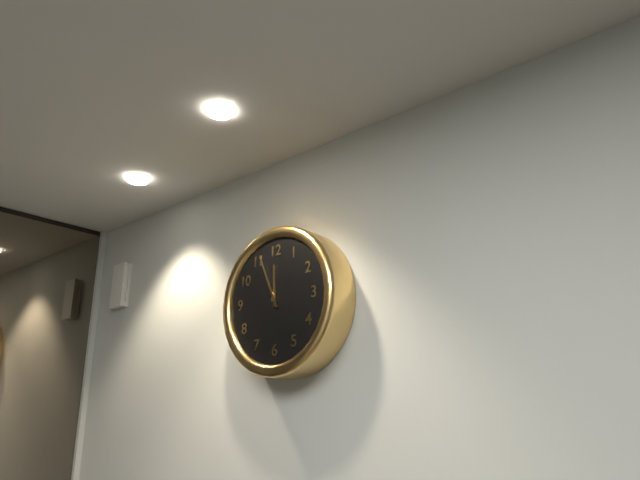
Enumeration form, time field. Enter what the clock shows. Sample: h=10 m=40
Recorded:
h=11 m=56
